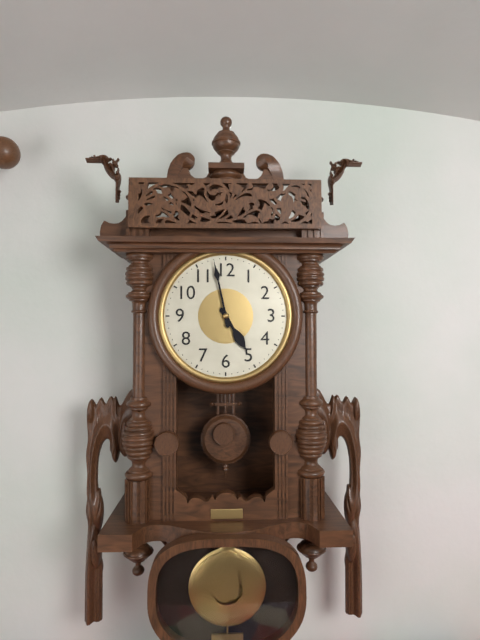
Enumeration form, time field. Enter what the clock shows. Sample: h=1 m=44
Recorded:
h=4 m=58
